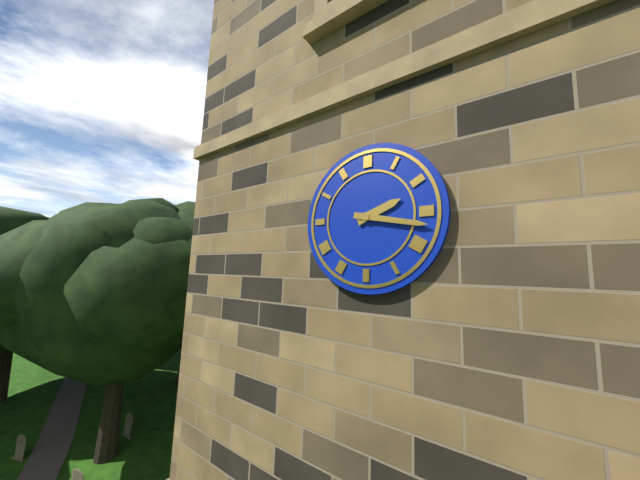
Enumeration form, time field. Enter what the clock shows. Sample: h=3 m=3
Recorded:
h=2 m=17
